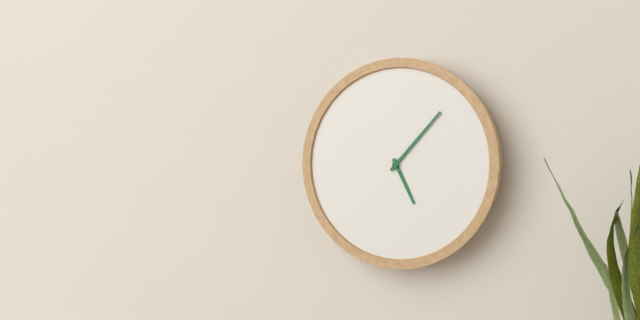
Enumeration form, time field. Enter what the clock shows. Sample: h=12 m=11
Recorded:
h=5 m=7
